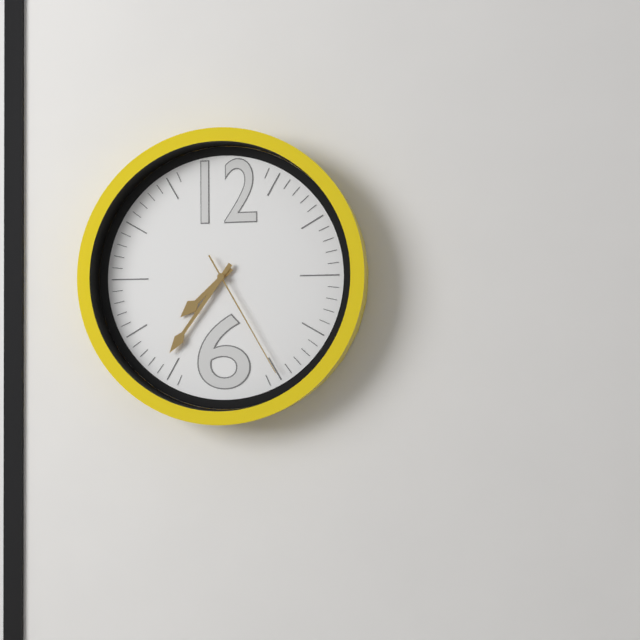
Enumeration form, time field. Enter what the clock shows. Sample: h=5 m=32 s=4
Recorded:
h=7 m=36 s=25
